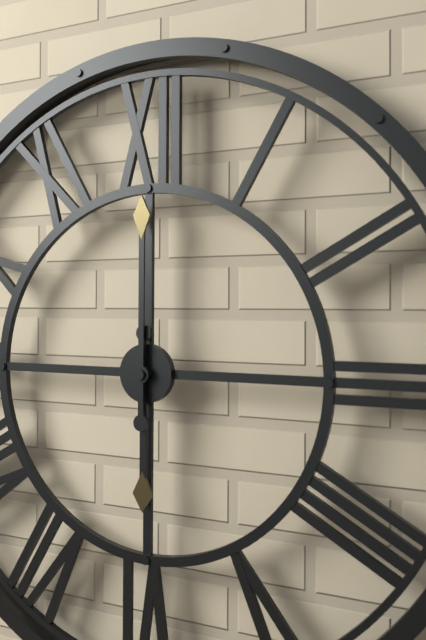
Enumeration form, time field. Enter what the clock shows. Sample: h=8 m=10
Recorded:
h=6 m=0
